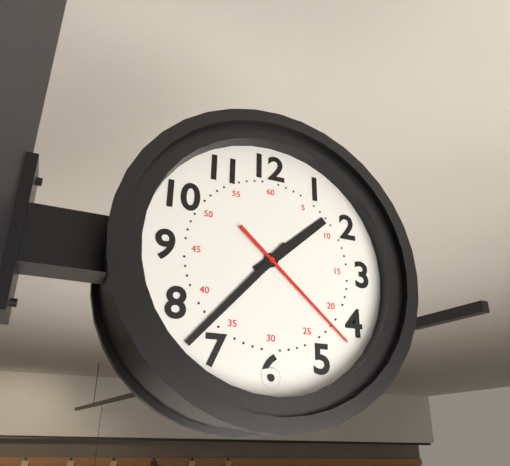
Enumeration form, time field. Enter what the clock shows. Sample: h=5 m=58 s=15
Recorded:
h=1 m=37 s=22
